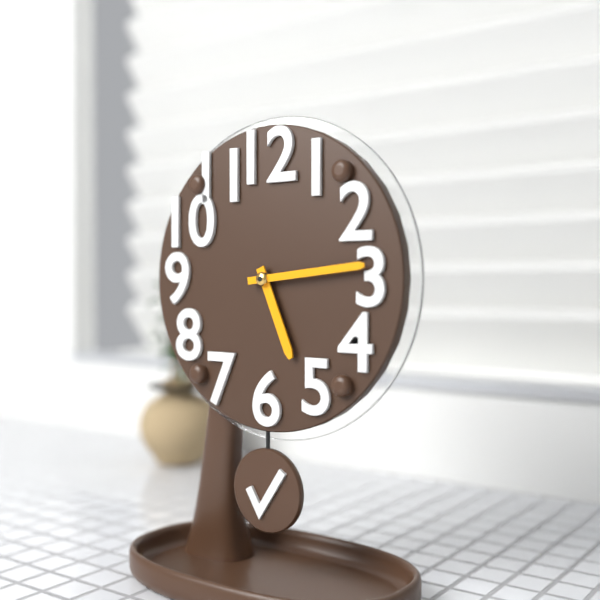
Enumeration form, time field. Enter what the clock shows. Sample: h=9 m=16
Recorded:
h=5 m=14
